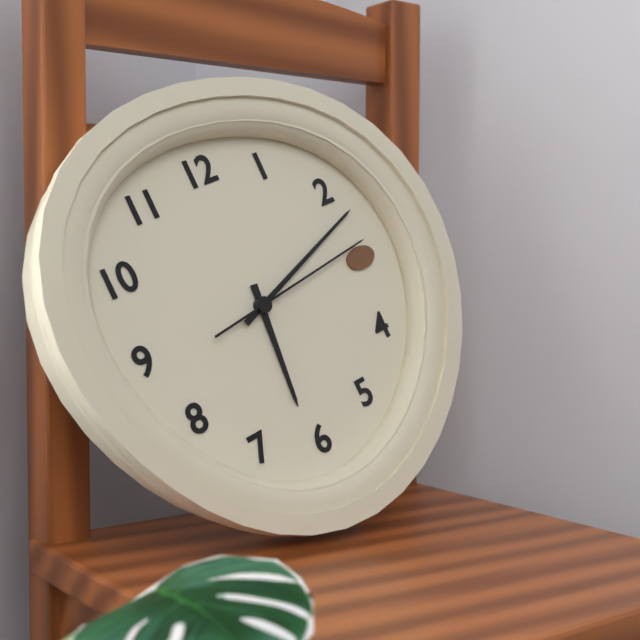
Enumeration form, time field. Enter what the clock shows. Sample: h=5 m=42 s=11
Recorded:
h=6 m=12 s=14
